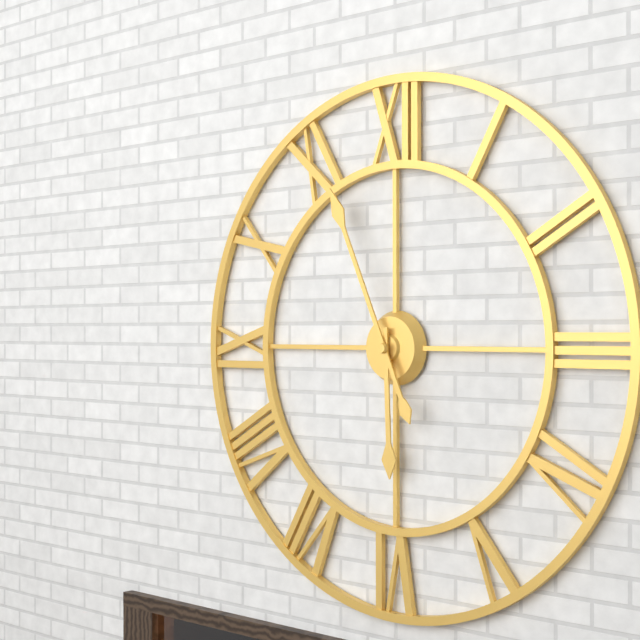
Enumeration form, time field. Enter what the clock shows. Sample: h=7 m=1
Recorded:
h=5 m=56
